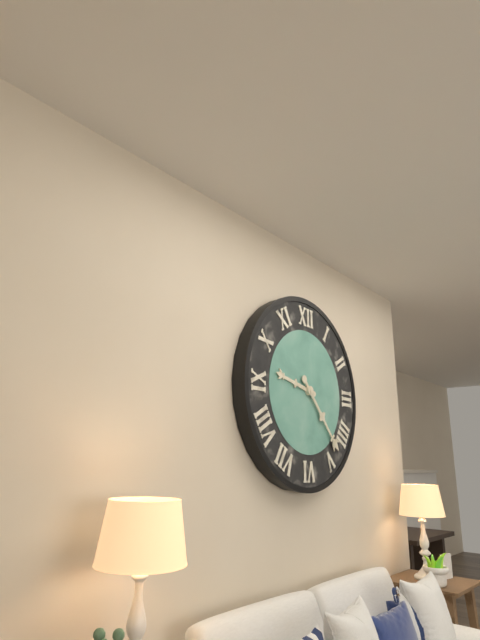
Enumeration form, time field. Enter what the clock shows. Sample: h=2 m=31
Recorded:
h=9 m=23
